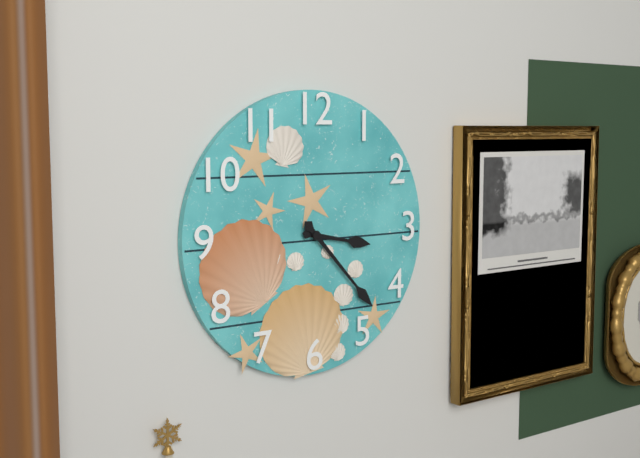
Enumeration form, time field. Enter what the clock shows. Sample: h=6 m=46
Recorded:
h=3 m=23
